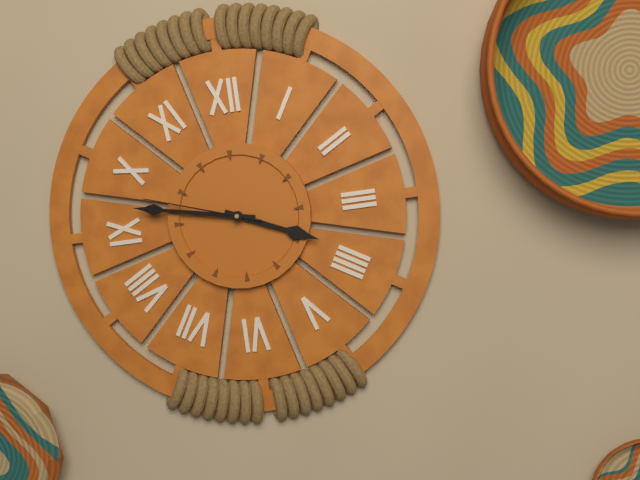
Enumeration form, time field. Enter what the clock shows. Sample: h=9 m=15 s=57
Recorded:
h=3 m=47 s=48
